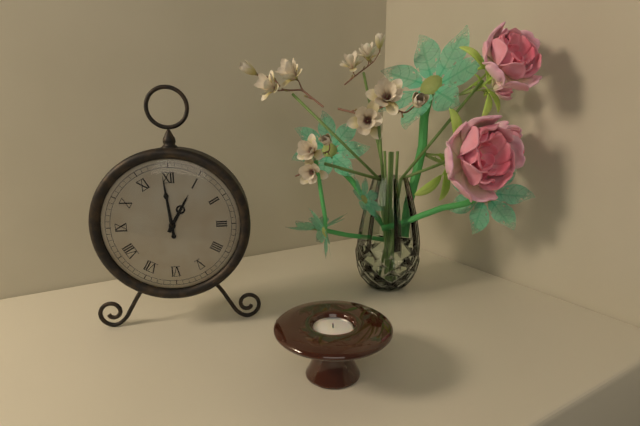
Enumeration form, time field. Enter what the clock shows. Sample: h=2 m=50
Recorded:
h=12 m=59
